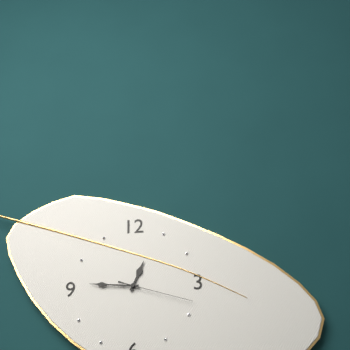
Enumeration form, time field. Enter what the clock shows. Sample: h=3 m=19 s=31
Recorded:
h=12 m=46 s=18
